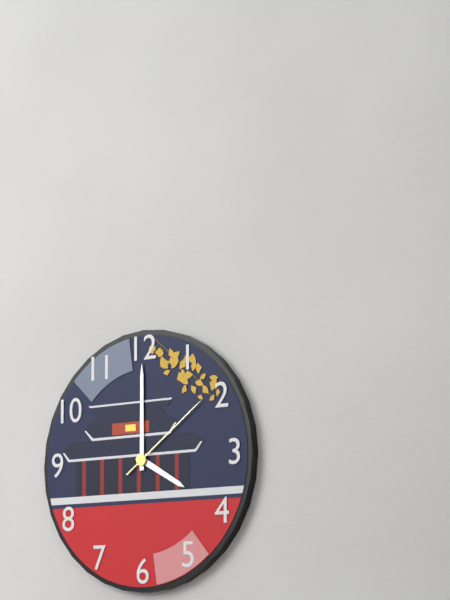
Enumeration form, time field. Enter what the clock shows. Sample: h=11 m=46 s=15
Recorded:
h=4 m=0 s=9
